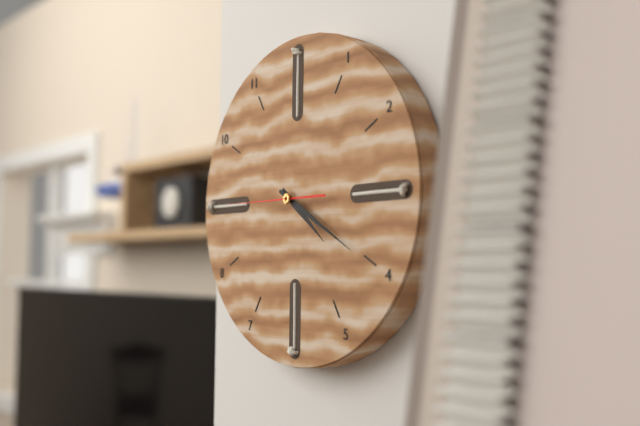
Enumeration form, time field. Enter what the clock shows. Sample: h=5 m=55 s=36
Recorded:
h=4 m=20 s=45
